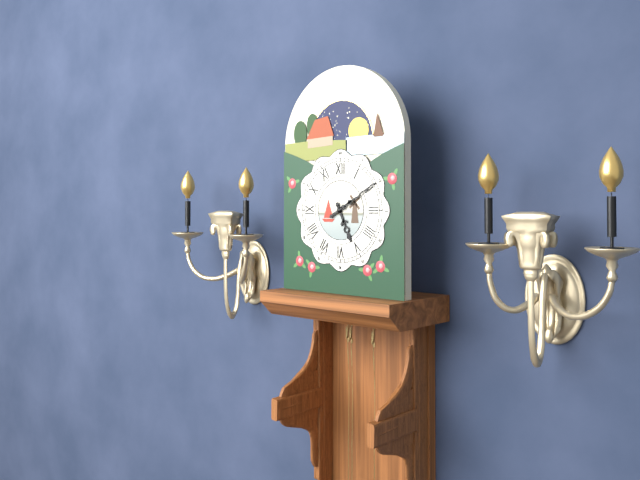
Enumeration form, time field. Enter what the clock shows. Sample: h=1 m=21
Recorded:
h=5 m=10
